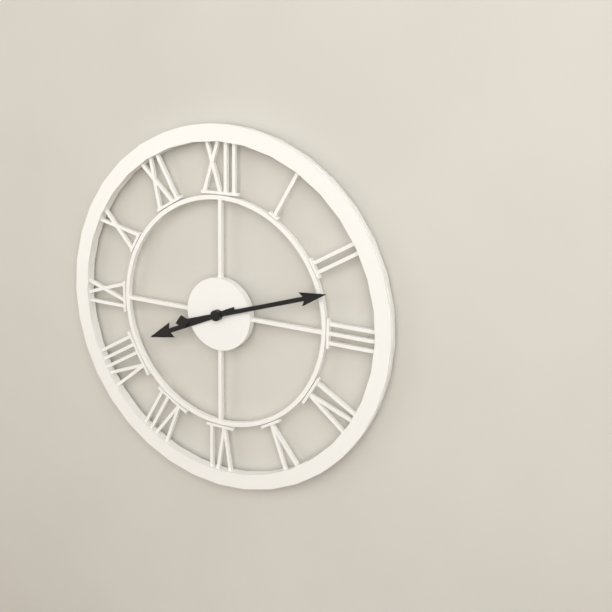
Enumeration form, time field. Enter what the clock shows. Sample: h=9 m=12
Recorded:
h=8 m=12
